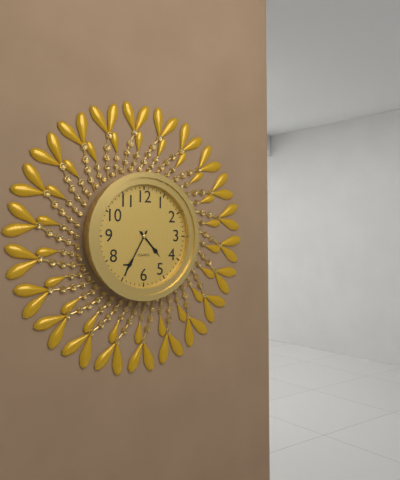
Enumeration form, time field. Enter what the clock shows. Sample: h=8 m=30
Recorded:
h=4 m=35
